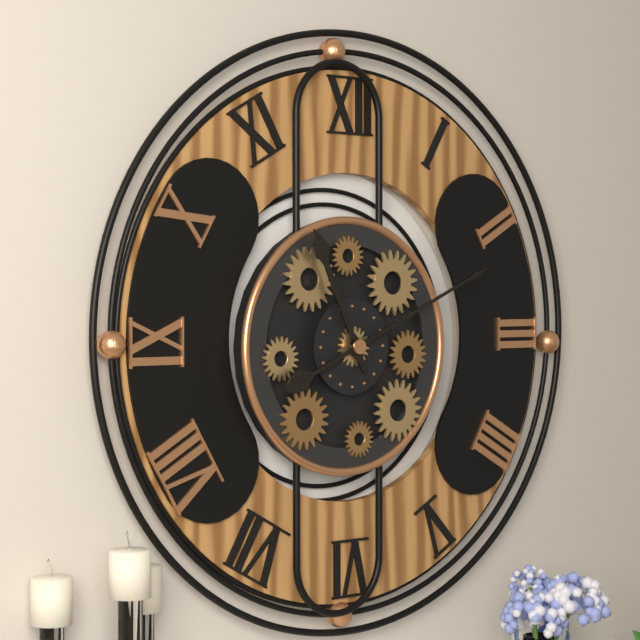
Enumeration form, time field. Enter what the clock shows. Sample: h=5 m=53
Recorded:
h=11 m=11
